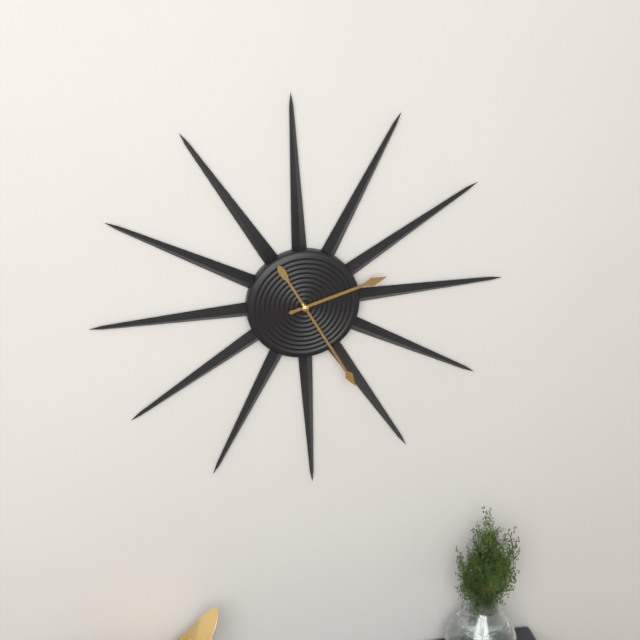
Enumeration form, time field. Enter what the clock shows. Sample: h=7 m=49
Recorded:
h=2 m=25
